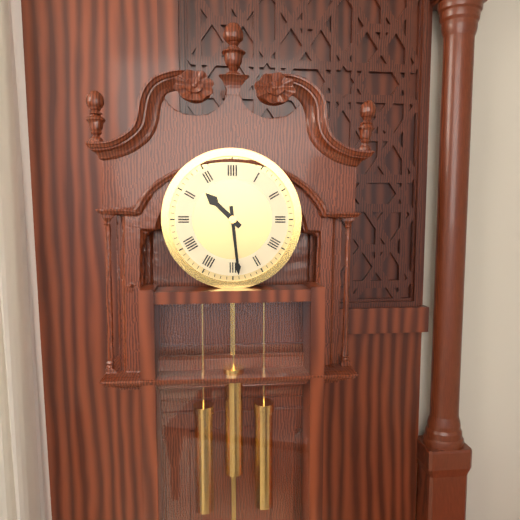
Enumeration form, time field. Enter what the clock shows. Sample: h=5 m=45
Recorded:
h=10 m=29
